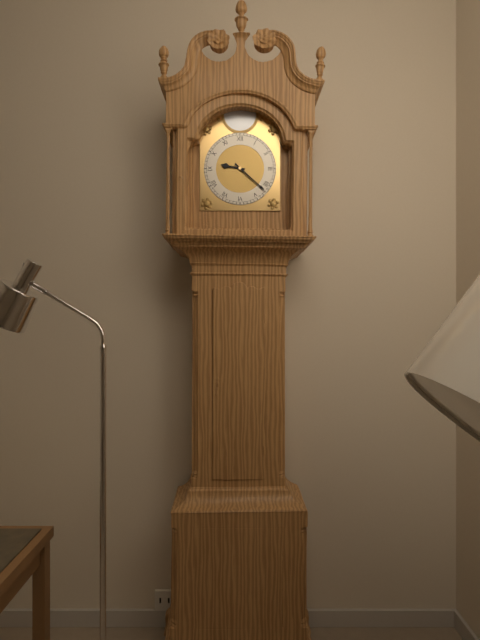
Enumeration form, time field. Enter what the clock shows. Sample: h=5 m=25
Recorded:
h=9 m=22
